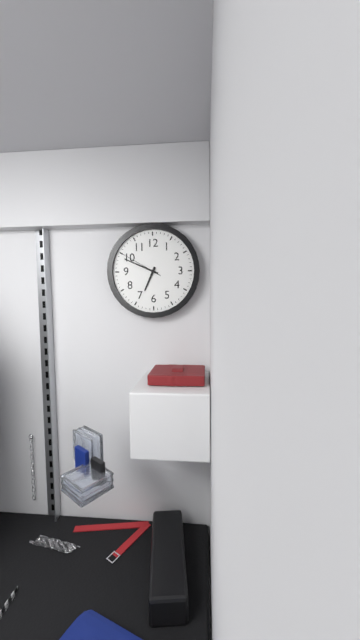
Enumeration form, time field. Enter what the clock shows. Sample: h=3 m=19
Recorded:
h=6 m=49
